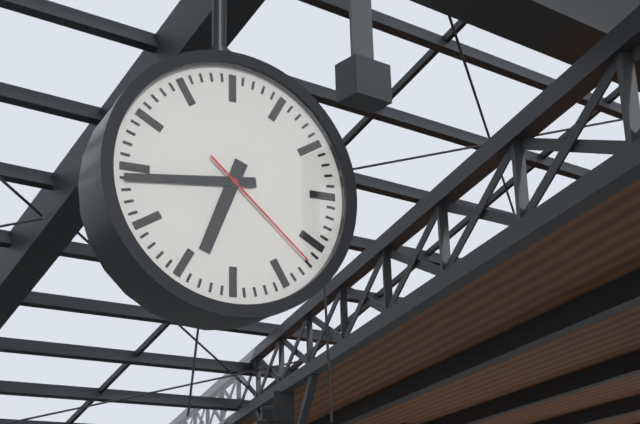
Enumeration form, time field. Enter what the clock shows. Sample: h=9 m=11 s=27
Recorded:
h=6 m=44 s=22
